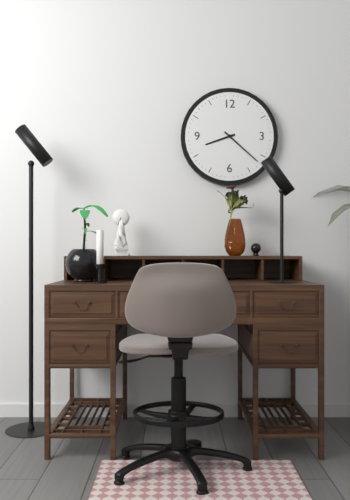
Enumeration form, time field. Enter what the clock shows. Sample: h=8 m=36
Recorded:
h=8 m=22
